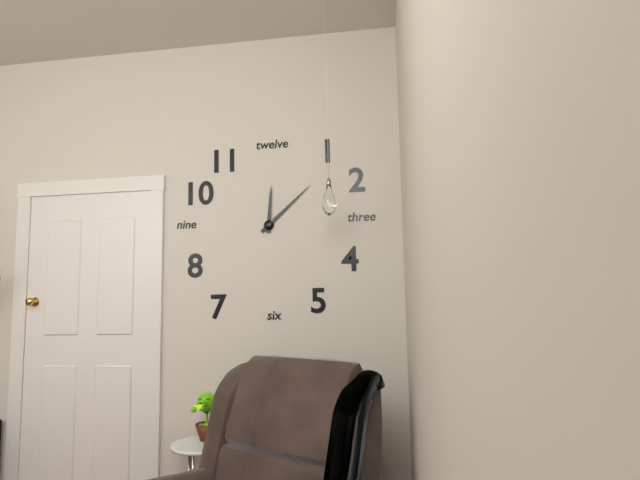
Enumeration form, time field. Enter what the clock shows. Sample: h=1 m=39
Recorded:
h=12 m=8
